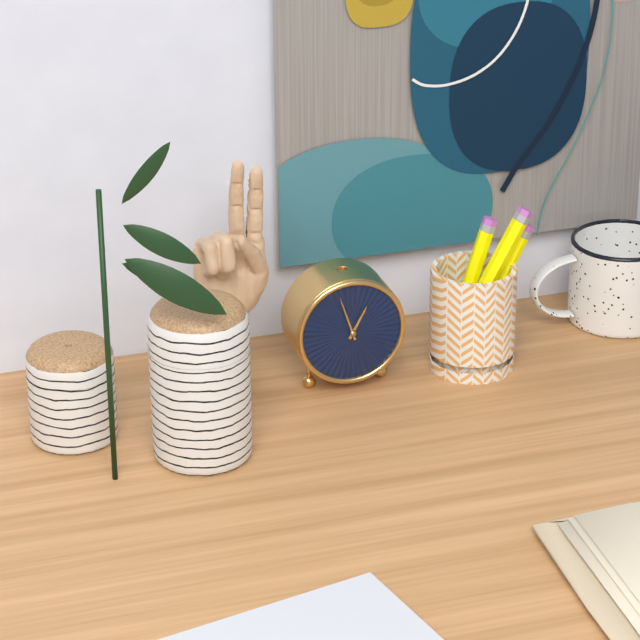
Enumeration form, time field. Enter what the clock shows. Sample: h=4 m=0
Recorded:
h=12 m=57
